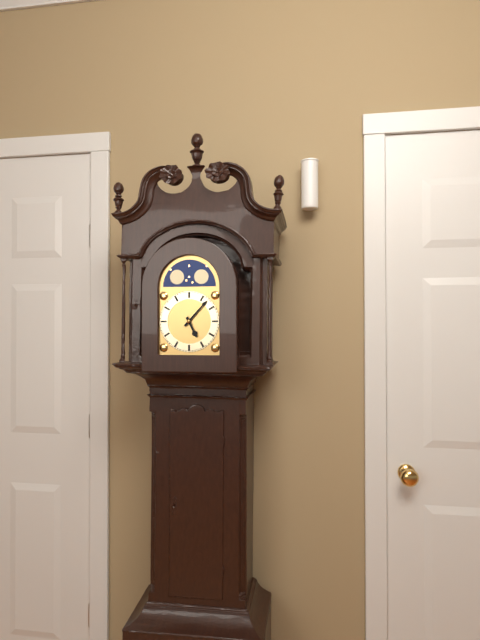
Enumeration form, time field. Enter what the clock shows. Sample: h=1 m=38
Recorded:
h=5 m=7
